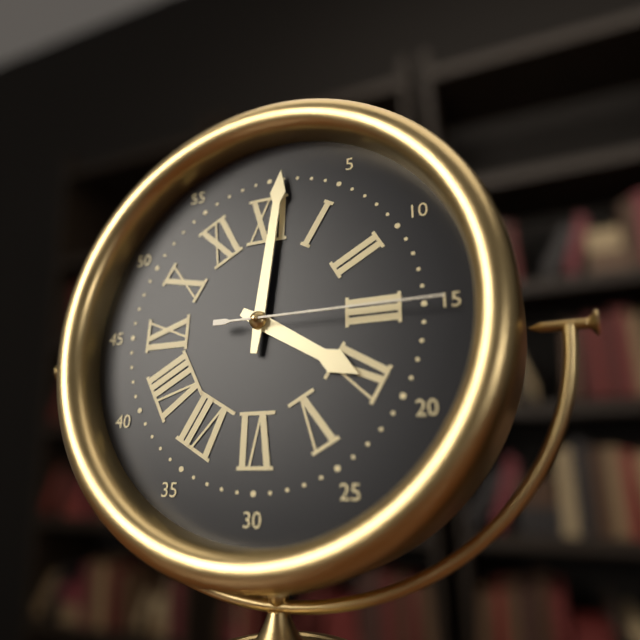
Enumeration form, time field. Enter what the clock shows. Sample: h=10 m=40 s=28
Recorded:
h=4 m=1 s=15
